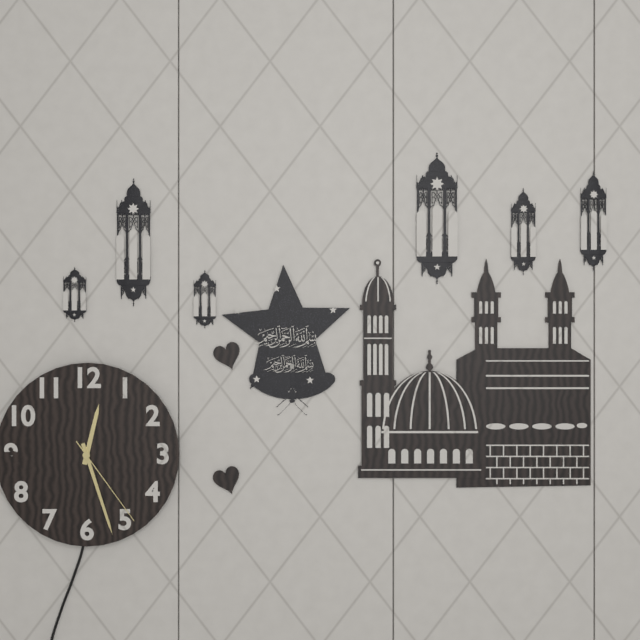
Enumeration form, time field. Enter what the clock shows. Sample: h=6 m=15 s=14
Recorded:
h=12 m=27 s=24
